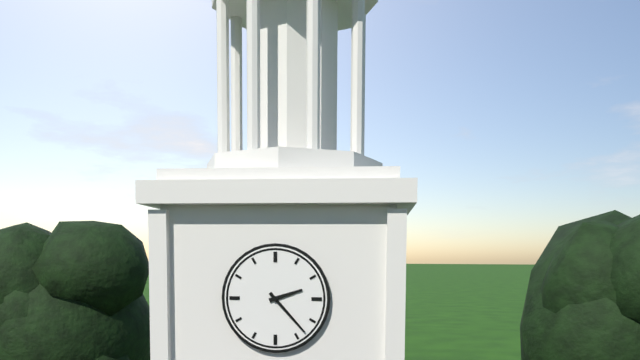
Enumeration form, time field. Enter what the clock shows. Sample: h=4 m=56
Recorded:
h=2 m=23
